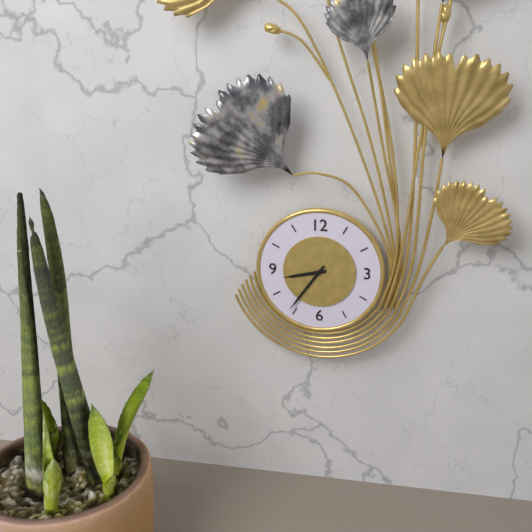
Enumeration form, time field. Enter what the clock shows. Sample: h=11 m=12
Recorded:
h=8 m=36
